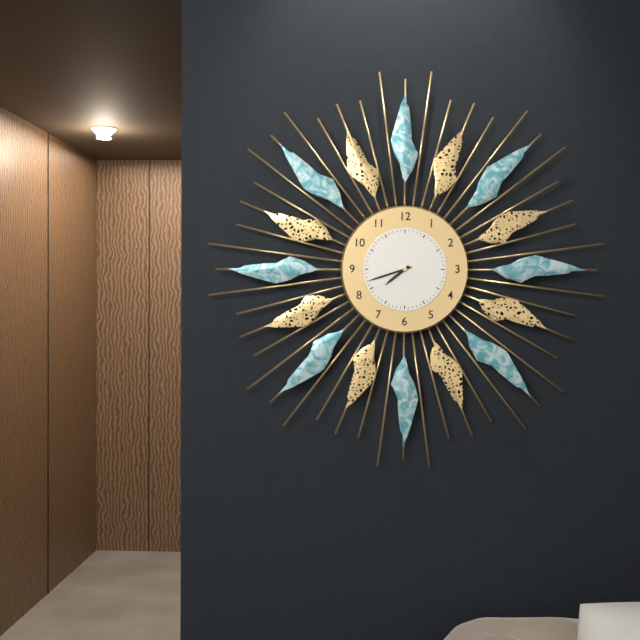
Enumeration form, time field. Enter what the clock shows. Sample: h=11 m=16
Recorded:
h=7 m=42
